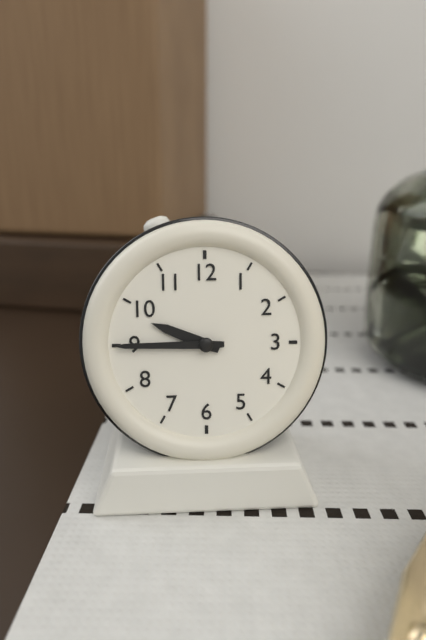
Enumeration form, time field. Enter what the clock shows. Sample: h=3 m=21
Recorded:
h=9 m=45
